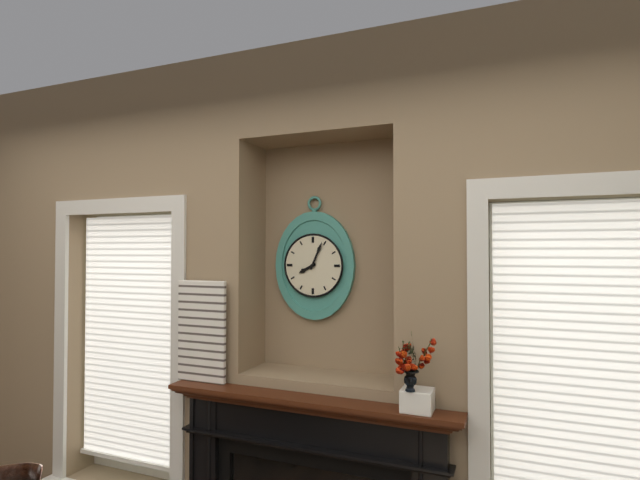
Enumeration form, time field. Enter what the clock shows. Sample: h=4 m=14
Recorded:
h=8 m=4
